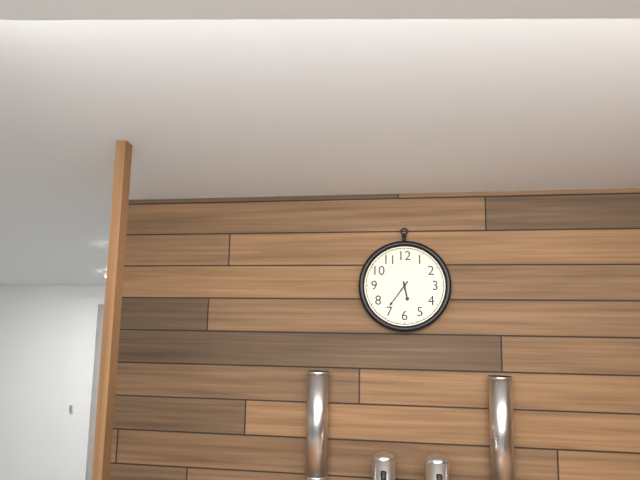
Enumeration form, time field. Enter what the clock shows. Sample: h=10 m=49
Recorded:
h=5 m=36
